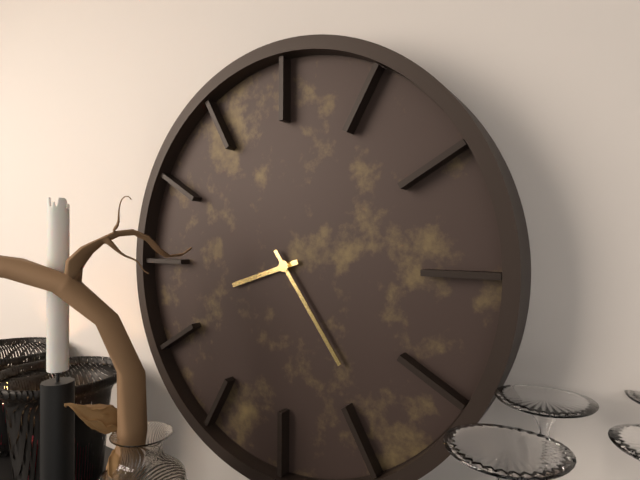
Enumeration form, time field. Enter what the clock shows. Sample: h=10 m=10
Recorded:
h=8 m=24
